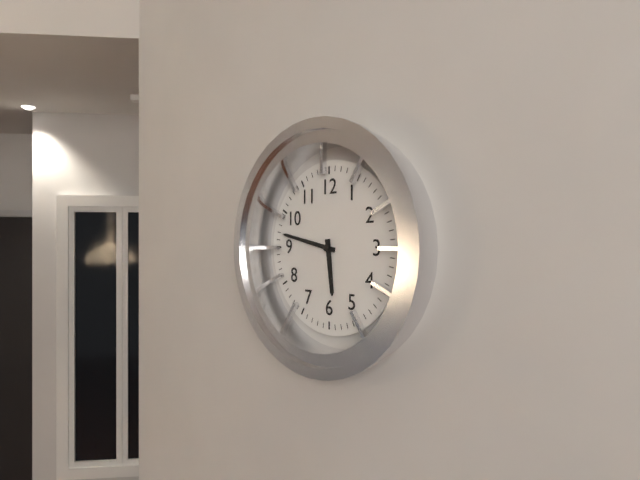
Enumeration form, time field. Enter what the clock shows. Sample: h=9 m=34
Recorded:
h=5 m=47
